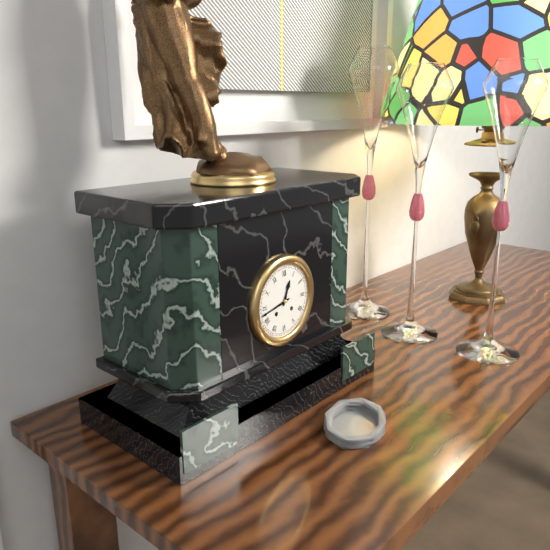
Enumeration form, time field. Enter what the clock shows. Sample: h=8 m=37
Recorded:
h=12 m=43
